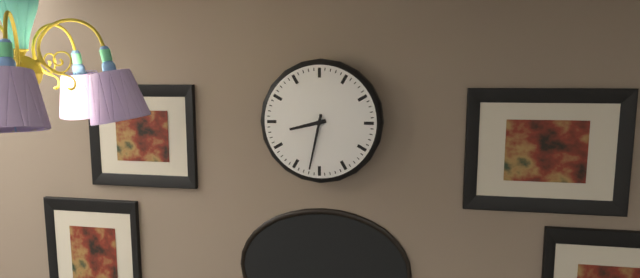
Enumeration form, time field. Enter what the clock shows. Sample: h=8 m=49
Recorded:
h=8 m=32
